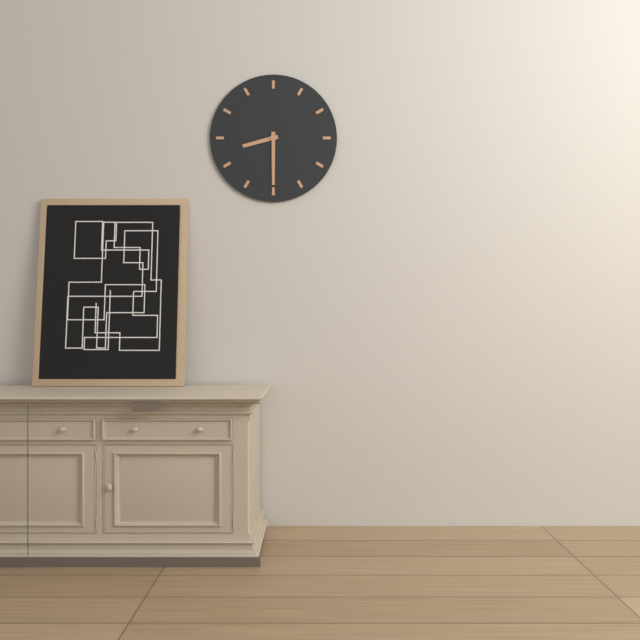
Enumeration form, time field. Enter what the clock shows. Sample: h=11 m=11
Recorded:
h=8 m=30
